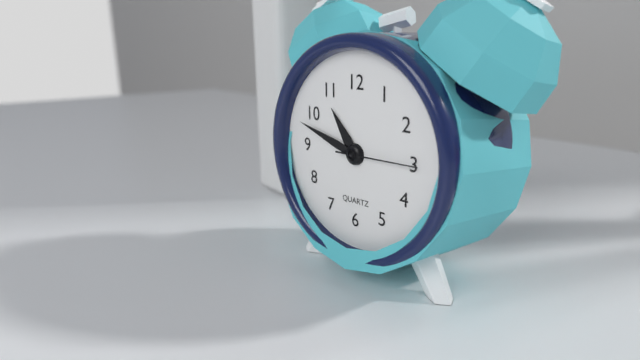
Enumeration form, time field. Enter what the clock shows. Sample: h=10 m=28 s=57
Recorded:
h=10 m=48 s=15
